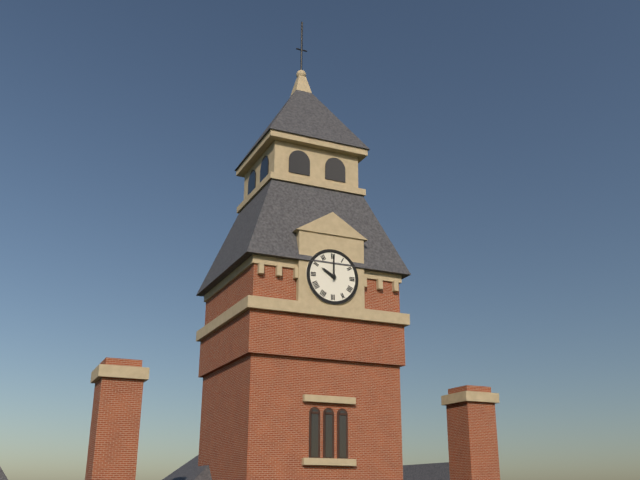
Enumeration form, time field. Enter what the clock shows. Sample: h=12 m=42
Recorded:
h=10 m=0
